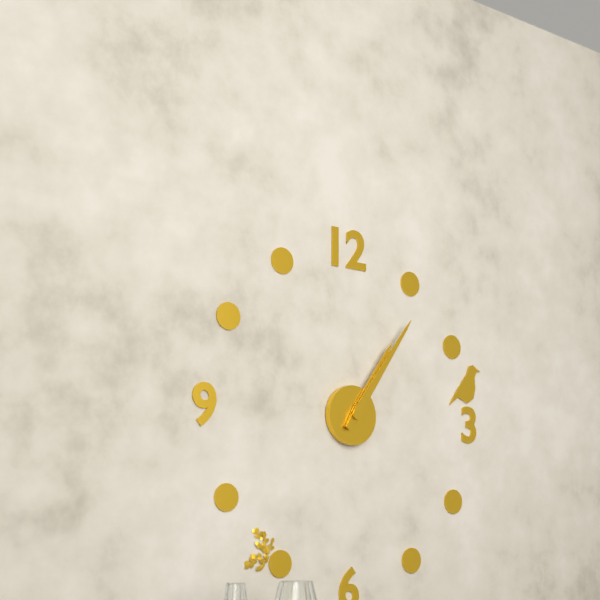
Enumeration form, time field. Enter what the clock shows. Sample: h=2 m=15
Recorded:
h=1 m=6
